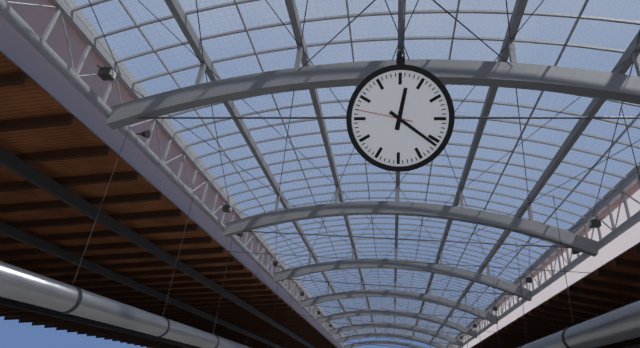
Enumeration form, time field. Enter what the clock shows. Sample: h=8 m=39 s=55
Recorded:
h=12 m=21 s=47
